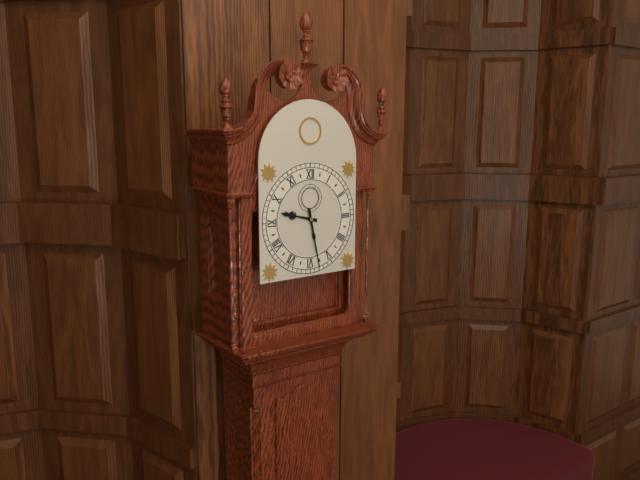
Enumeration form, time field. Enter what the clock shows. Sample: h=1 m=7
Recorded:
h=9 m=28
